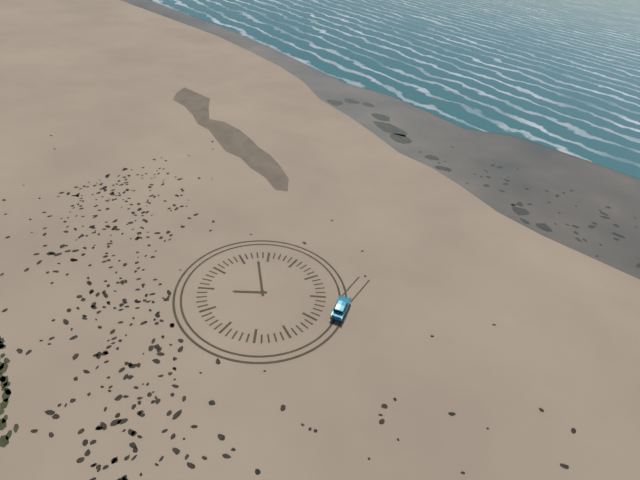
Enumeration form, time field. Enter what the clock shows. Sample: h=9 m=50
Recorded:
h=7 m=53
